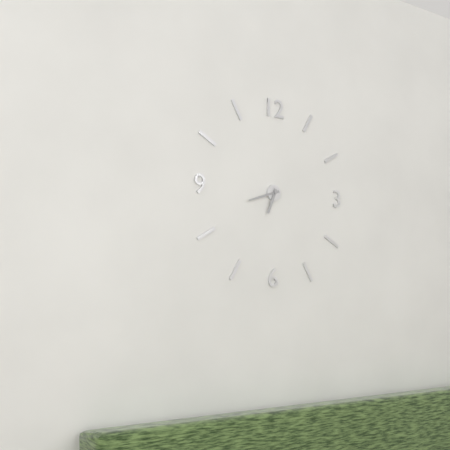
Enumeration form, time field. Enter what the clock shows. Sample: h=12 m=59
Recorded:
h=6 m=42
